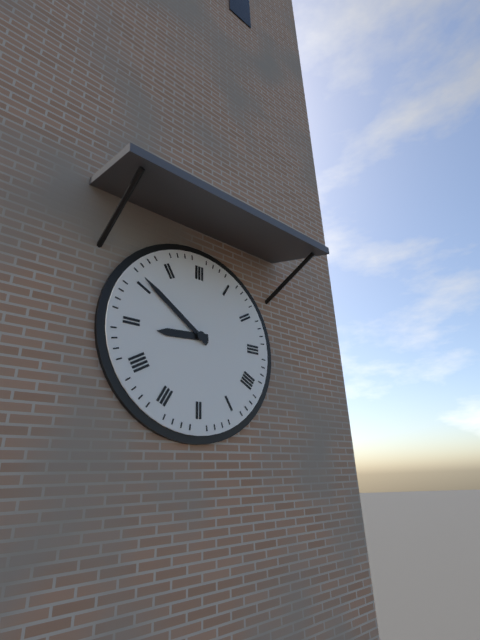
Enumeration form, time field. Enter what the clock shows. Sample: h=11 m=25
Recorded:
h=8 m=51
